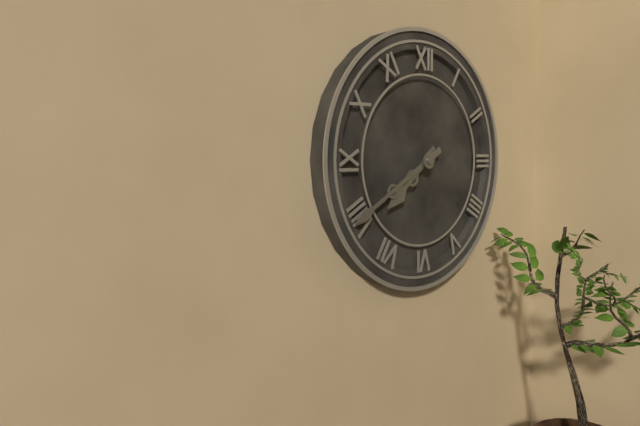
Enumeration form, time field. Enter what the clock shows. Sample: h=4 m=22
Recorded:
h=7 m=40
